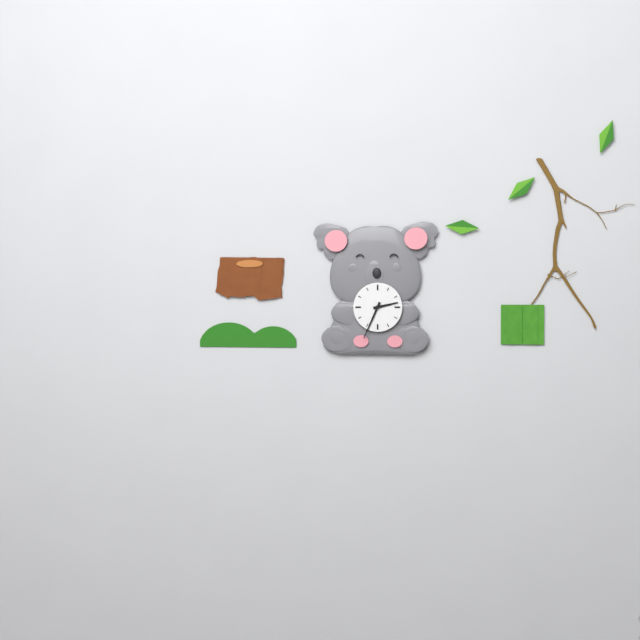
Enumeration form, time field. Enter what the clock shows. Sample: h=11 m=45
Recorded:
h=2 m=34
